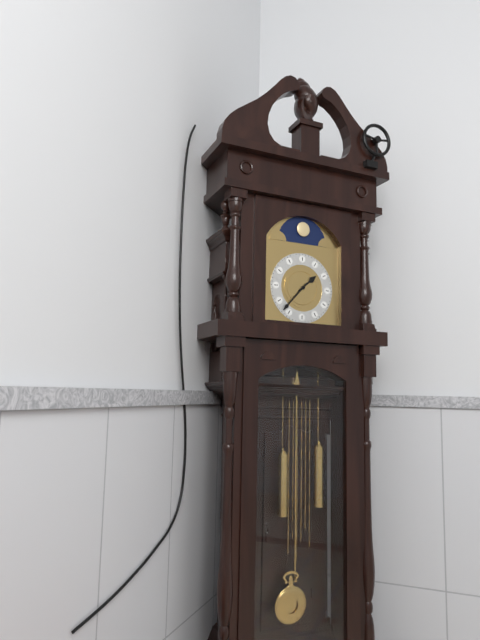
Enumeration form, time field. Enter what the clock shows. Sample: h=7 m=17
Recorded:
h=1 m=37
